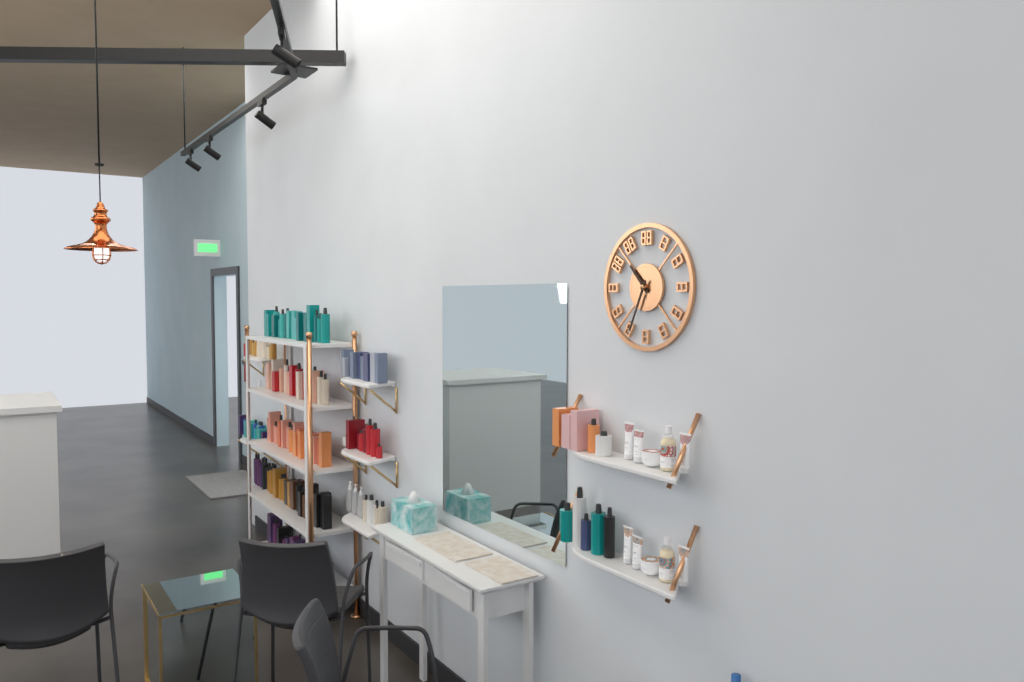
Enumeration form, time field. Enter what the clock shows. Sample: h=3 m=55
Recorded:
h=10 m=34
